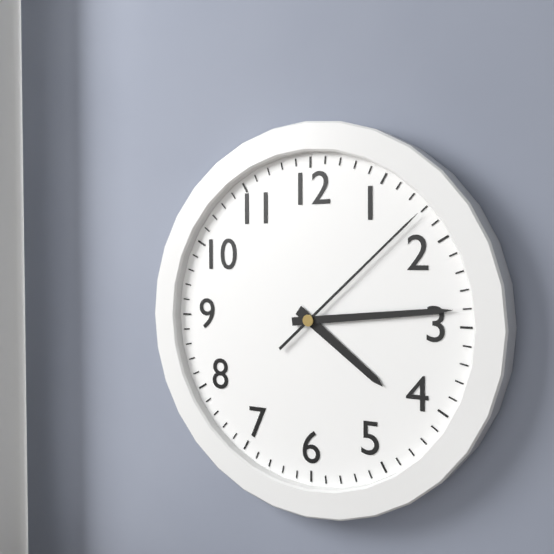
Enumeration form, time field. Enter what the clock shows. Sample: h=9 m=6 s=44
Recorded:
h=4 m=14 s=8
